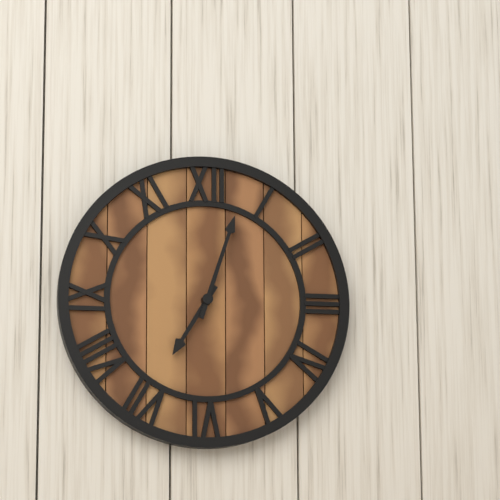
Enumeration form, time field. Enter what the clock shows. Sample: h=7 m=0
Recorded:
h=7 m=3
